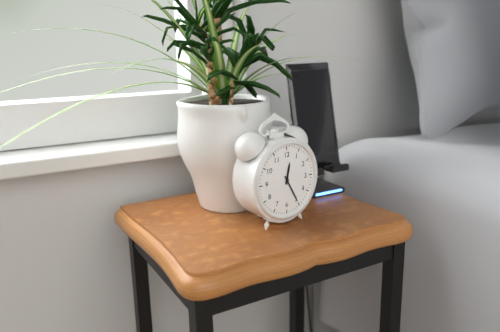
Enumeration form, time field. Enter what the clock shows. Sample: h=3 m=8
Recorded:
h=12 m=25
